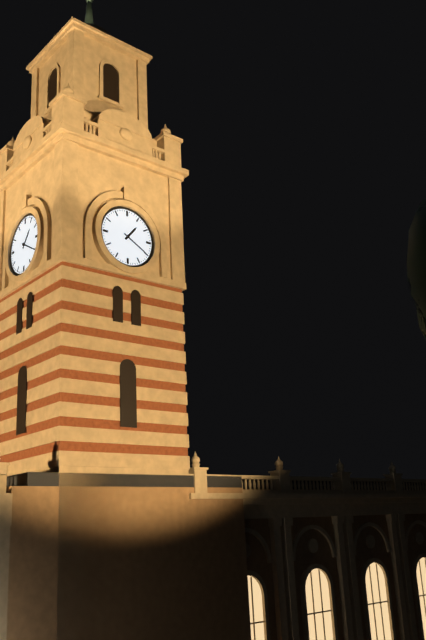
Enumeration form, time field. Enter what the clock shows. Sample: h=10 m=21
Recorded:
h=1 m=20
